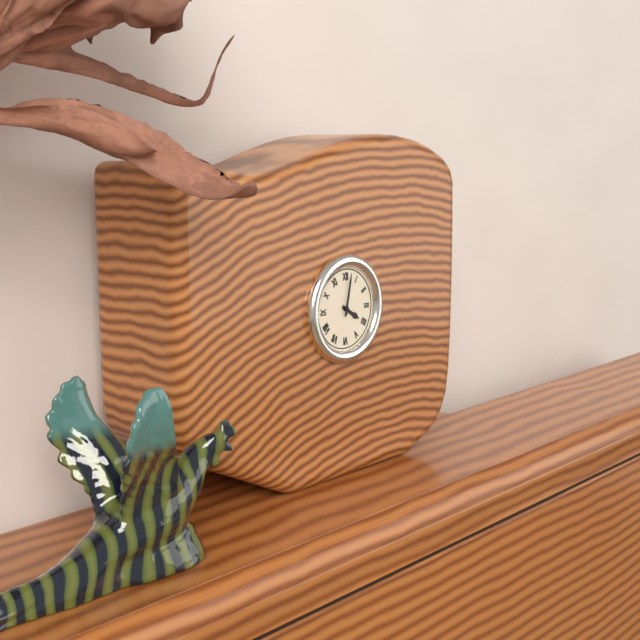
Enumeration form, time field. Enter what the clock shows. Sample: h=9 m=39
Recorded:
h=4 m=2
